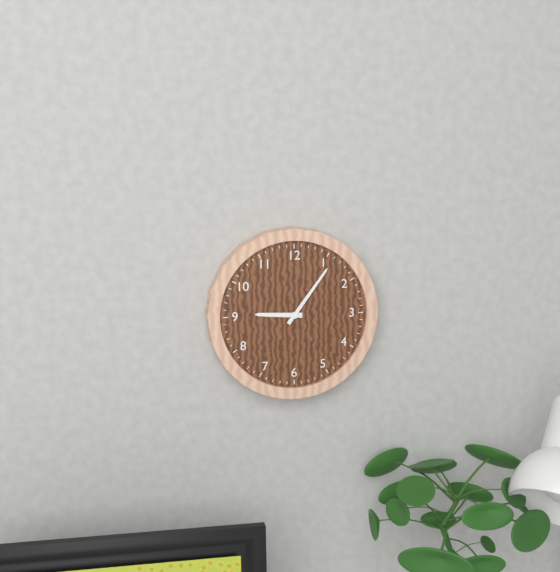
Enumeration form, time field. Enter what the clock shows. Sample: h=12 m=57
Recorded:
h=9 m=6
